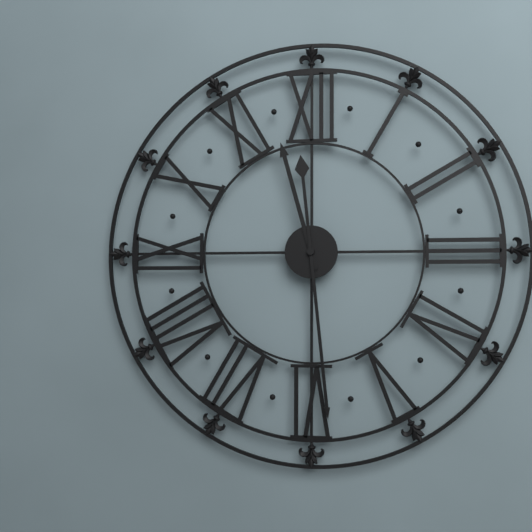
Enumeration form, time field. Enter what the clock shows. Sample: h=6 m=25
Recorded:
h=11 m=29
